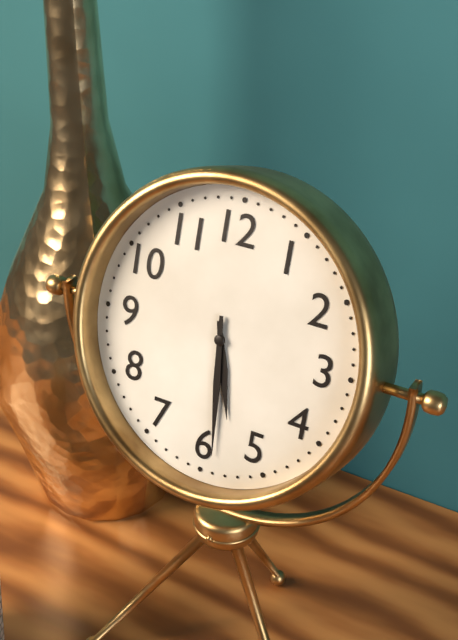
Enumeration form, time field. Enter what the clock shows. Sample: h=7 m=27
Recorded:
h=5 m=29
